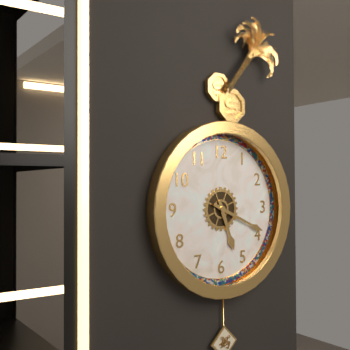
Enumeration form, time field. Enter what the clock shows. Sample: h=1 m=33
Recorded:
h=5 m=19
